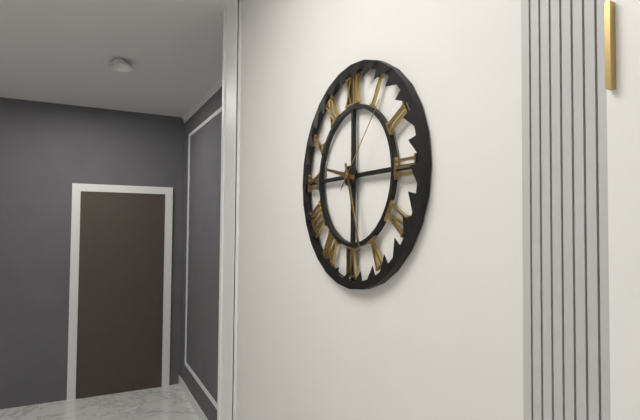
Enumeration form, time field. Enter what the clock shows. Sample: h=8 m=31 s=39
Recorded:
h=9 m=27 s=7
